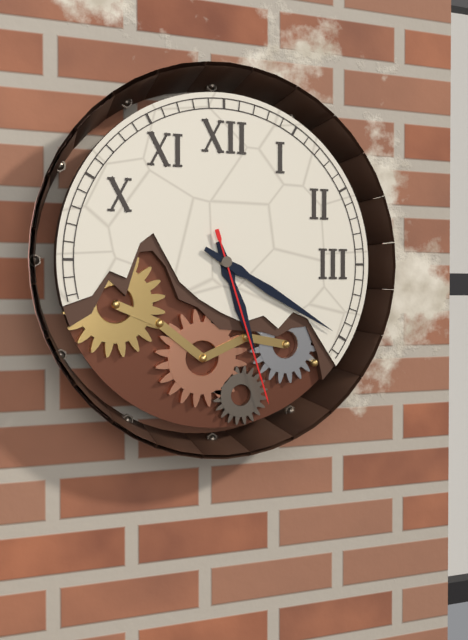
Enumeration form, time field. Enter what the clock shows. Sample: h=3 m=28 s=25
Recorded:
h=5 m=20 s=27
